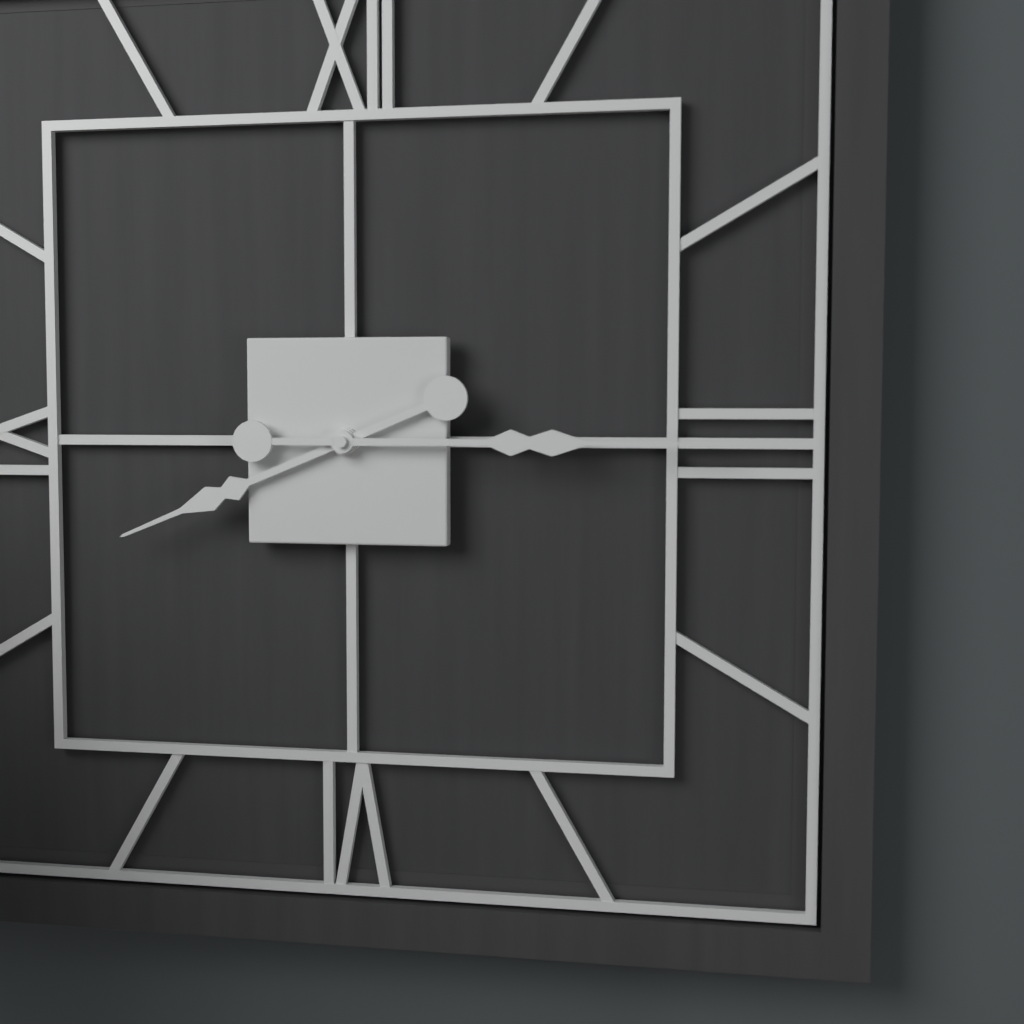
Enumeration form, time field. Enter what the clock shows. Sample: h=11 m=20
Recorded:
h=8 m=15
